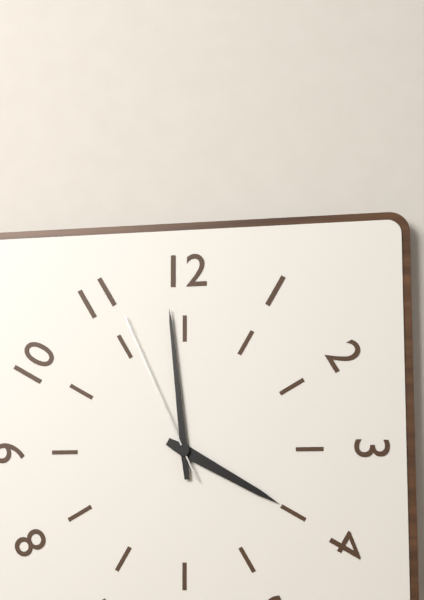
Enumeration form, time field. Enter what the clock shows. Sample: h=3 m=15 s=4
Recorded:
h=3 m=59 s=56
